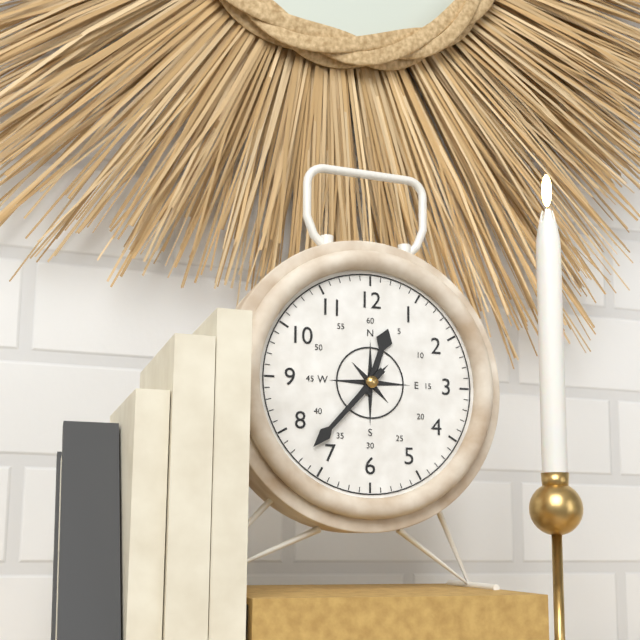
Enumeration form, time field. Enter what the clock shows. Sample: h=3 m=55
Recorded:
h=12 m=37
